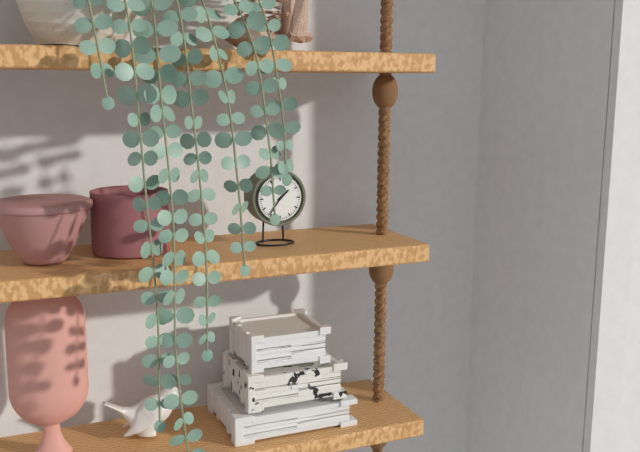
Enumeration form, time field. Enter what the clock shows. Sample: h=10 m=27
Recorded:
h=1 m=36
